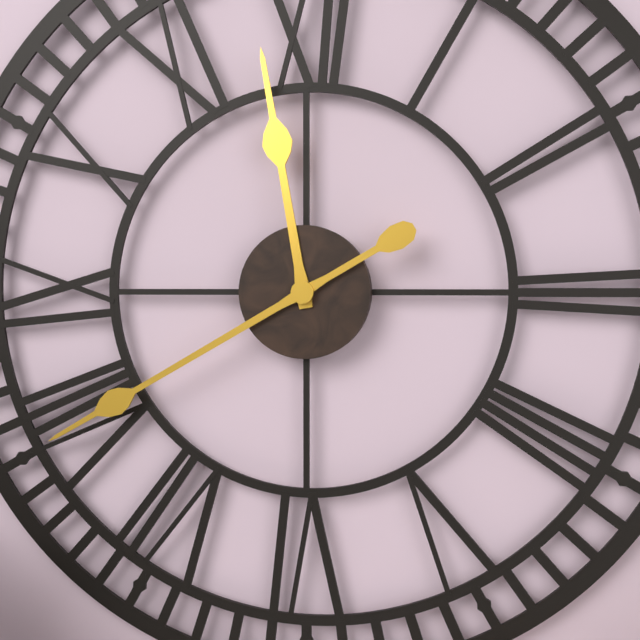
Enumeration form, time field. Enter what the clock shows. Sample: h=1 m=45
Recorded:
h=11 m=40
